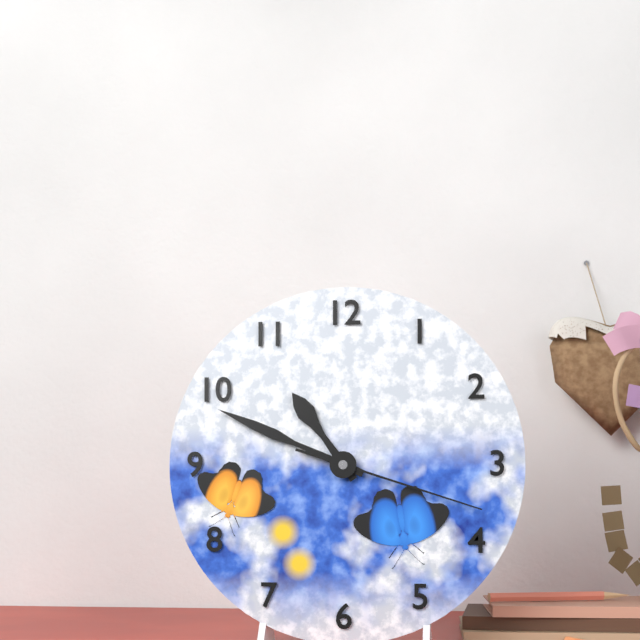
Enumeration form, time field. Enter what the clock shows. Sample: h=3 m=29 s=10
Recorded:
h=10 m=49 s=18
